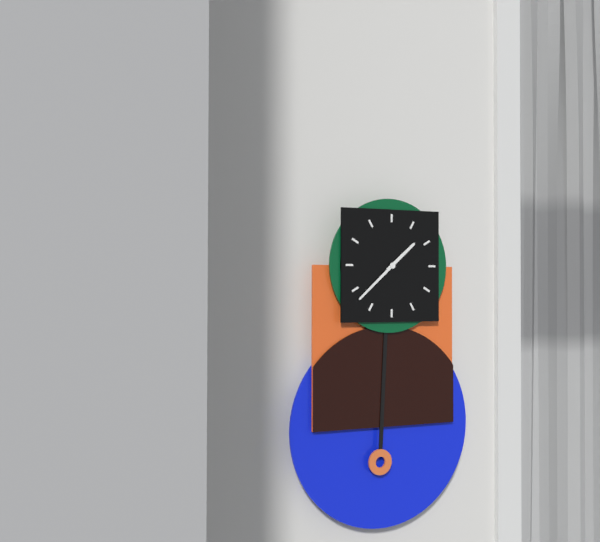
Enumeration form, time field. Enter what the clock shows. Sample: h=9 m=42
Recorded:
h=1 m=38
